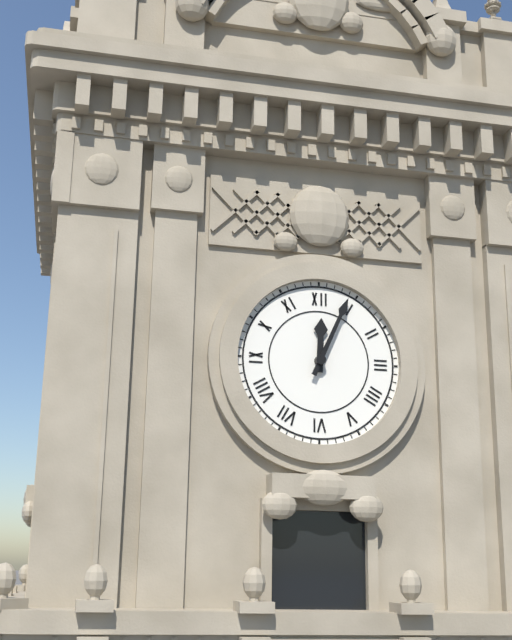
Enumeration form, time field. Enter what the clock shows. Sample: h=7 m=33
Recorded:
h=12 m=4
